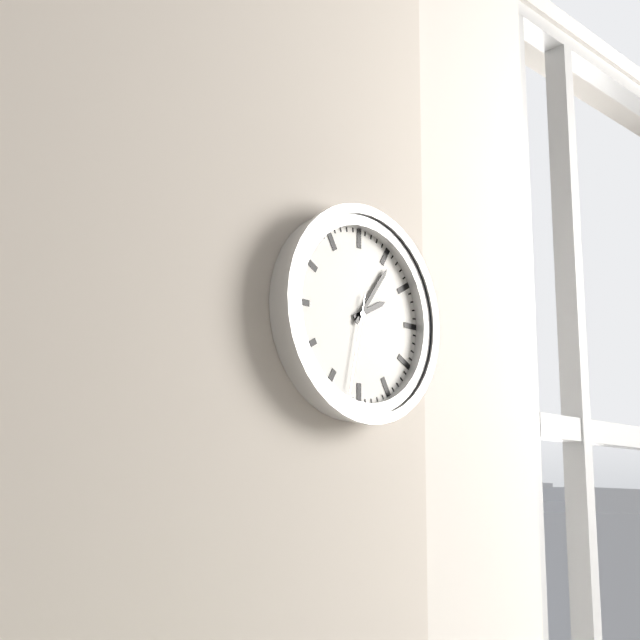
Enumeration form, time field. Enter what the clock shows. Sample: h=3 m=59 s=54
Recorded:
h=2 m=6 s=32
